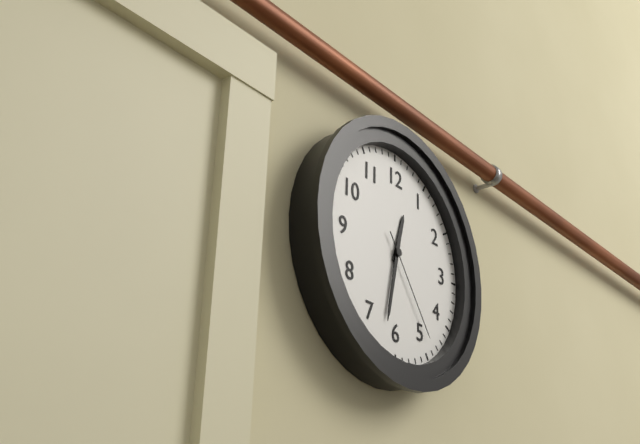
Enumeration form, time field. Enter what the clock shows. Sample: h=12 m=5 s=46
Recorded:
h=12 m=32 s=24
